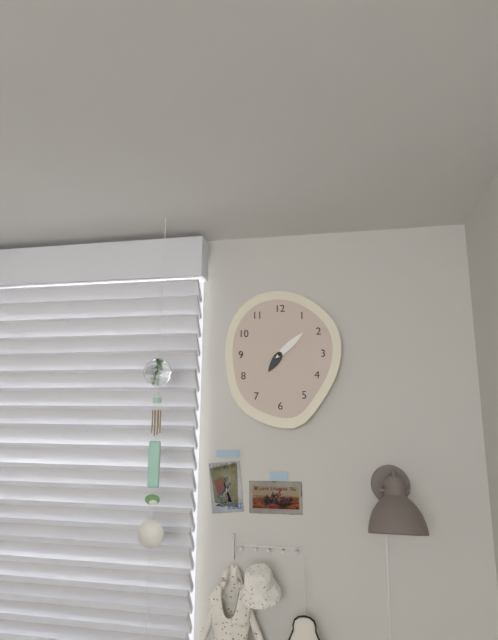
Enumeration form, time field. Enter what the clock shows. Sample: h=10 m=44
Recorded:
h=7 m=8
